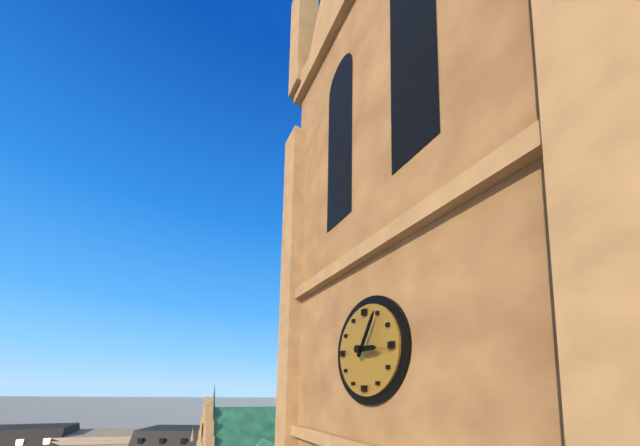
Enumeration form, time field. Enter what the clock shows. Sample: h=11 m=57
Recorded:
h=3 m=5
